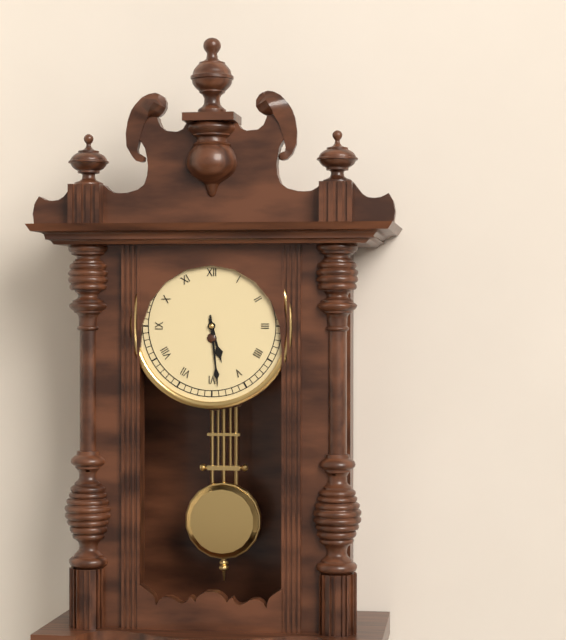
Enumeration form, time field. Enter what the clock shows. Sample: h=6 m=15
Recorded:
h=5 m=29
